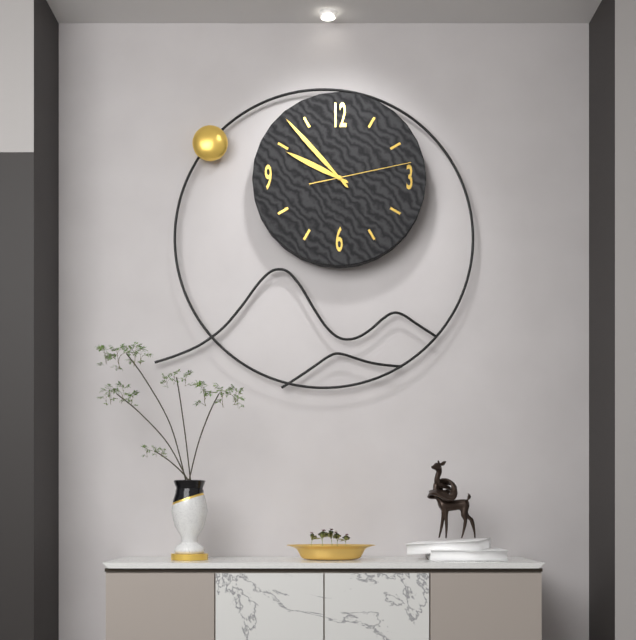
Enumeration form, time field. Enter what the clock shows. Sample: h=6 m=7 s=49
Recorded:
h=9 m=53 s=13
